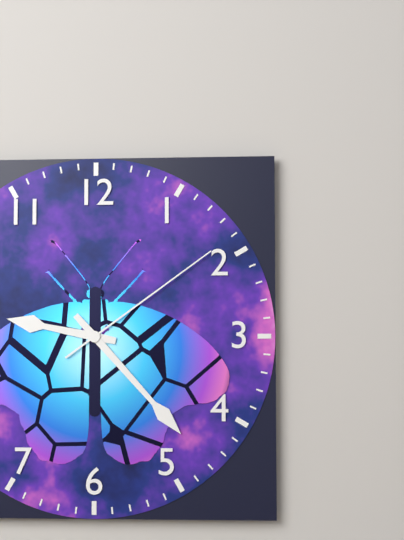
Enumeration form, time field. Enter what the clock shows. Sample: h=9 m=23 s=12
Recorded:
h=9 m=23 s=9
